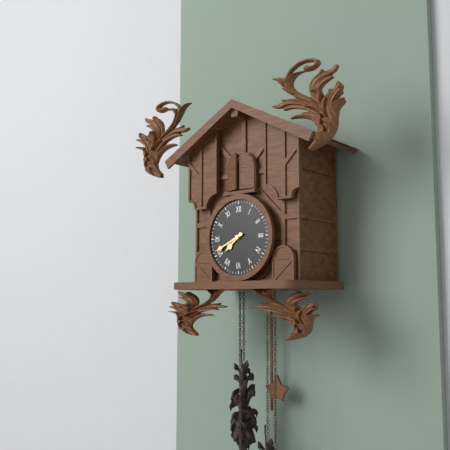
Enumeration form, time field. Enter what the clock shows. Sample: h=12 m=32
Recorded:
h=7 m=41
